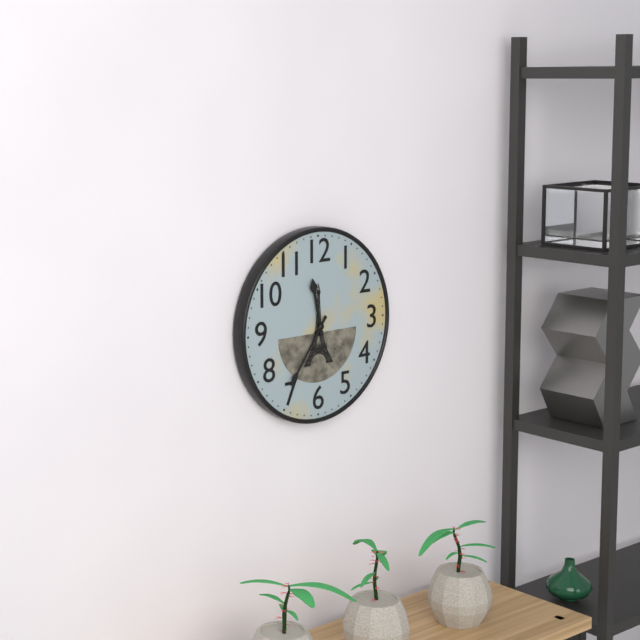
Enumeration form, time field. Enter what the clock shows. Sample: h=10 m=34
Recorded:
h=11 m=36
